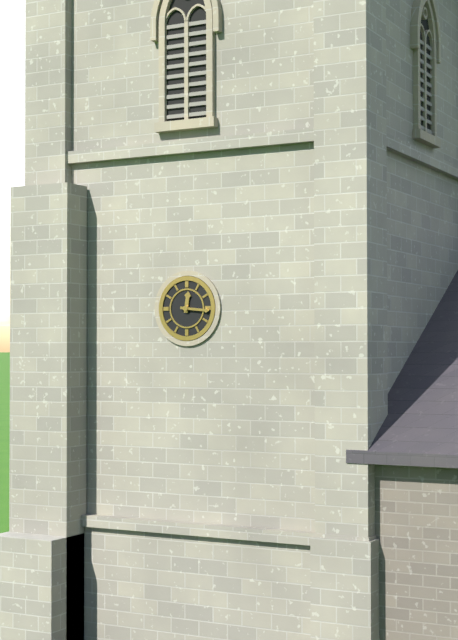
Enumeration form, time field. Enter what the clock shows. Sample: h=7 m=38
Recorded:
h=12 m=16
